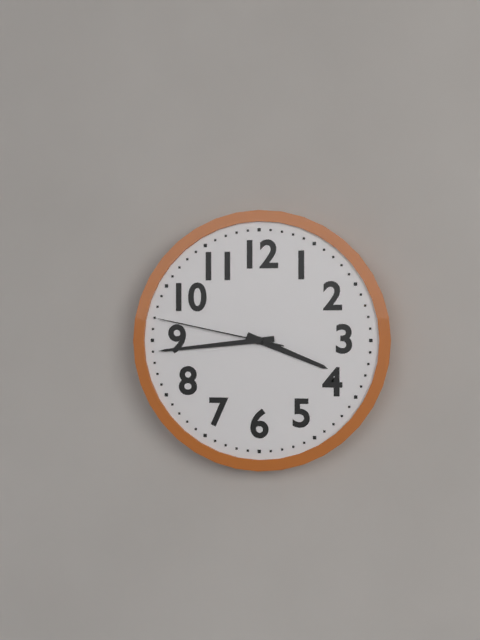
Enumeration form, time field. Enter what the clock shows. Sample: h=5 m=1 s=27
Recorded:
h=3 m=44 s=47
